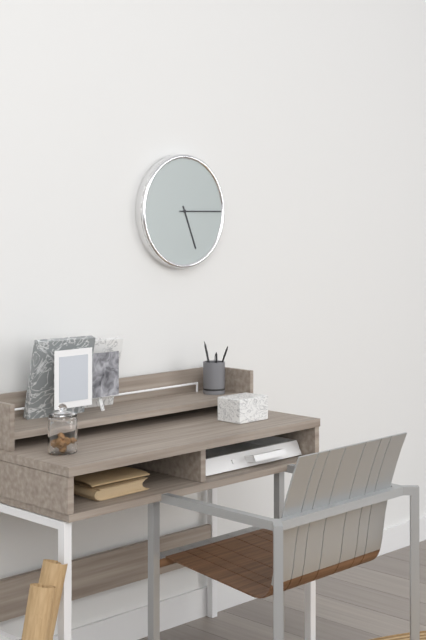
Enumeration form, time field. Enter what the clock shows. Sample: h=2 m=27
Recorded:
h=5 m=15
